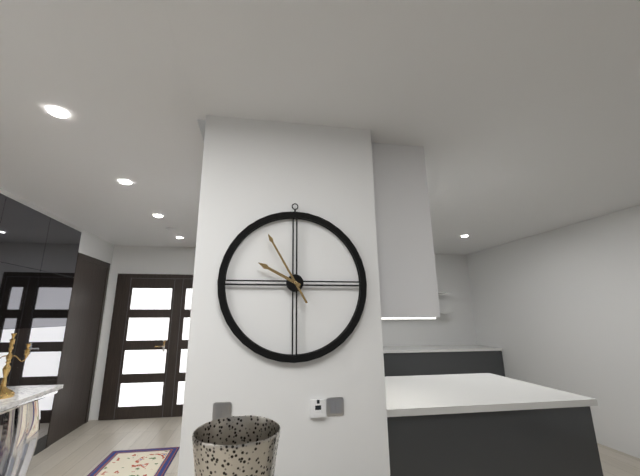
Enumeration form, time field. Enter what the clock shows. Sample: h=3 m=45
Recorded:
h=9 m=55
